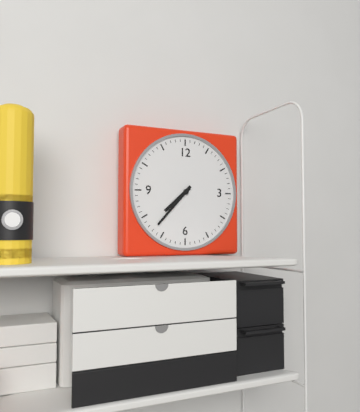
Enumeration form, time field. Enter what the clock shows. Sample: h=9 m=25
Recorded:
h=7 m=37
